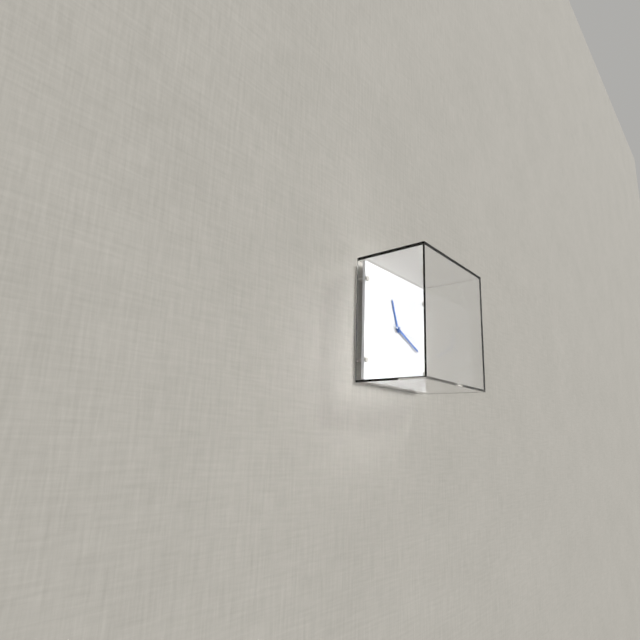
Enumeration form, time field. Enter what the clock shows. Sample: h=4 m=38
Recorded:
h=11 m=19
